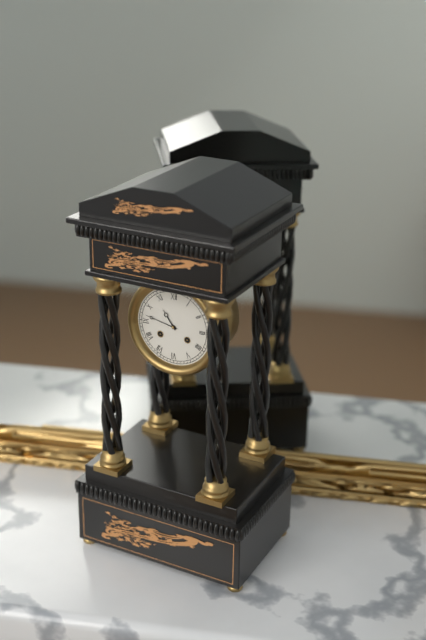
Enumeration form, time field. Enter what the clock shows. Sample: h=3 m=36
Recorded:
h=10 m=47
